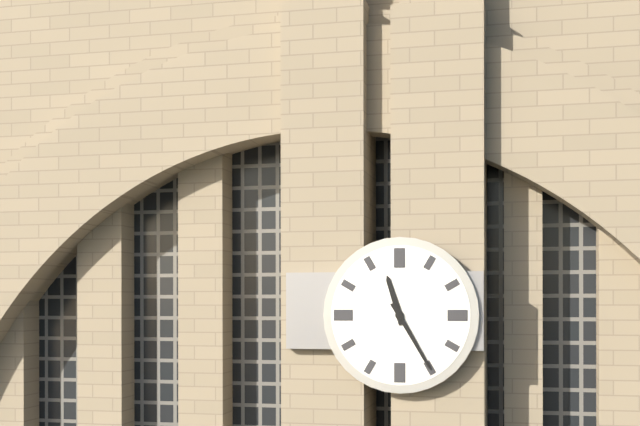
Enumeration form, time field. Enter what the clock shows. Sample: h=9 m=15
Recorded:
h=11 m=25
